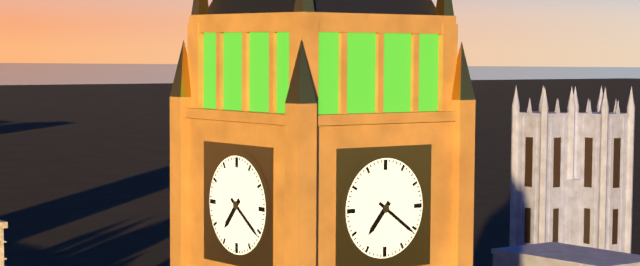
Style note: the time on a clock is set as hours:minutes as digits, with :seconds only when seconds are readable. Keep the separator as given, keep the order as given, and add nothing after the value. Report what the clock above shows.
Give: 7:21
